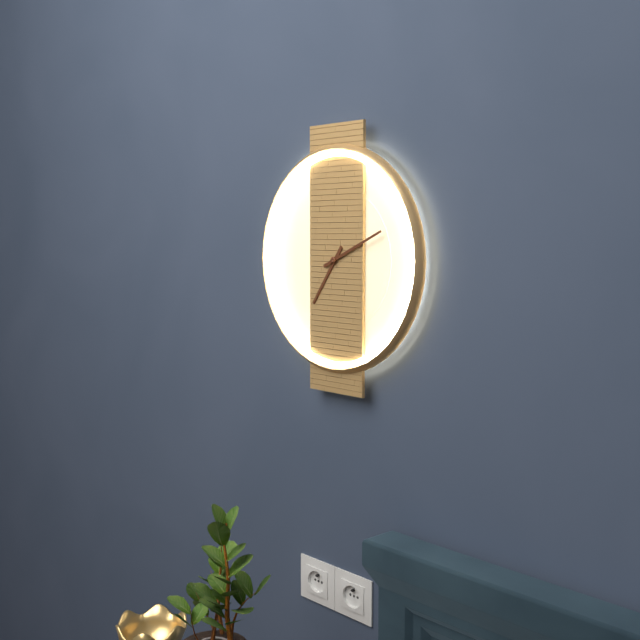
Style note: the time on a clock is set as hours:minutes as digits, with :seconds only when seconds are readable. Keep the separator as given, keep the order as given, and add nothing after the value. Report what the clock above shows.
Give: 7:11
